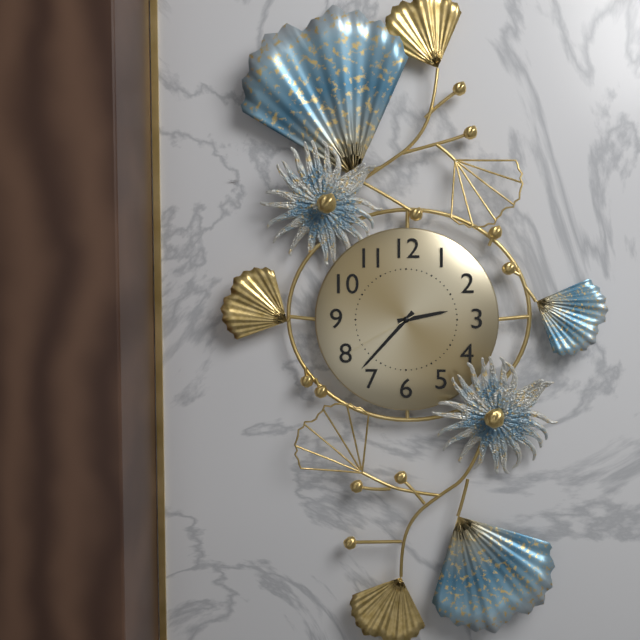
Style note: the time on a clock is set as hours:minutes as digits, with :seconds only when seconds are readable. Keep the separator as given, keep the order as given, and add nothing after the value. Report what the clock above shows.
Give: 2:37:40
